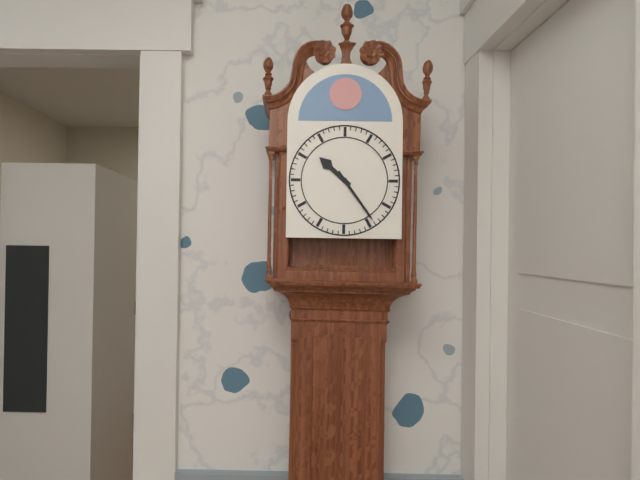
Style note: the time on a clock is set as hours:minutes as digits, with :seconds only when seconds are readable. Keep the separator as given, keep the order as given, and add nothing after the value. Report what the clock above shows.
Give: 10:24
